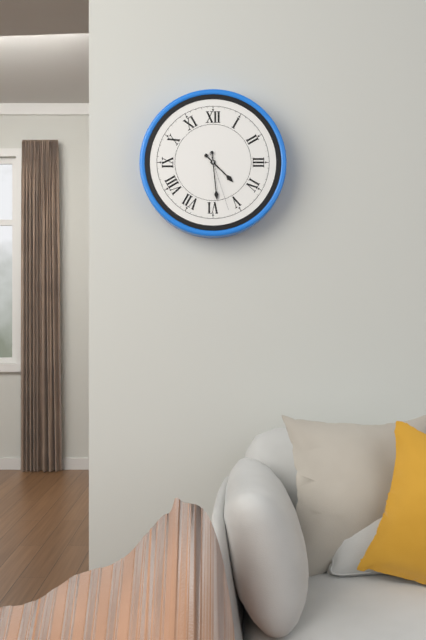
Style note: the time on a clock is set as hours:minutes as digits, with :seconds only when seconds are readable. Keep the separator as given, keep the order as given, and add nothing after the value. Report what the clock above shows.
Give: 4:29:27
